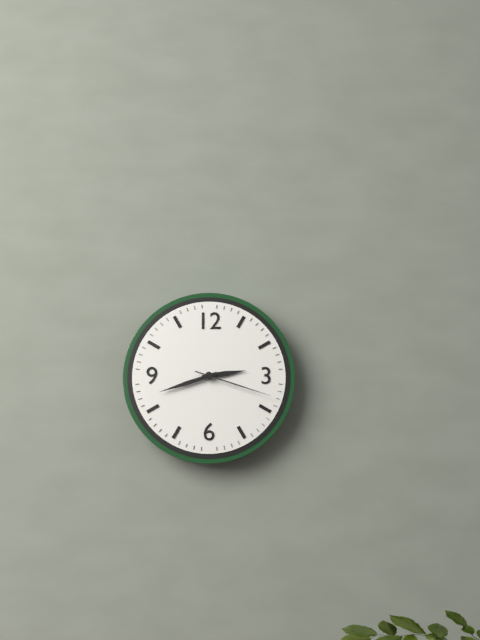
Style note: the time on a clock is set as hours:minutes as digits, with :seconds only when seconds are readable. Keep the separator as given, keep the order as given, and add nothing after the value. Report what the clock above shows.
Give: 2:42:18
